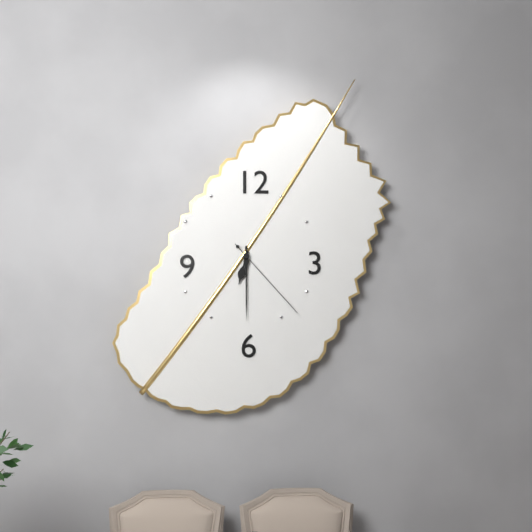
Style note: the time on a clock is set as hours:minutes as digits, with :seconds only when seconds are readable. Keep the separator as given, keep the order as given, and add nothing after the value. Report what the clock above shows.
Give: 6:30:23
